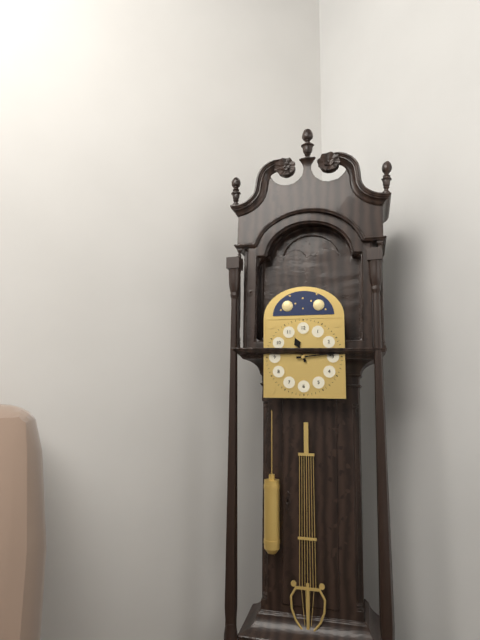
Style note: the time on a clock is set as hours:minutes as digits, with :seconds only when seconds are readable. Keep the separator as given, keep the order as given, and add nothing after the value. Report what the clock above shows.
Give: 11:14
